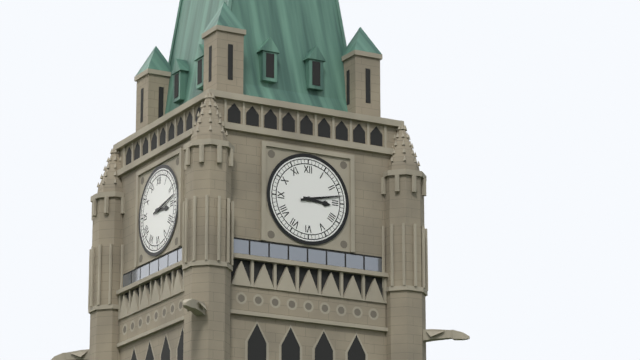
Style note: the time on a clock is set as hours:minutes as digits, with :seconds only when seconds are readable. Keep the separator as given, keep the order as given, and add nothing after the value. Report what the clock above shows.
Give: 3:13
